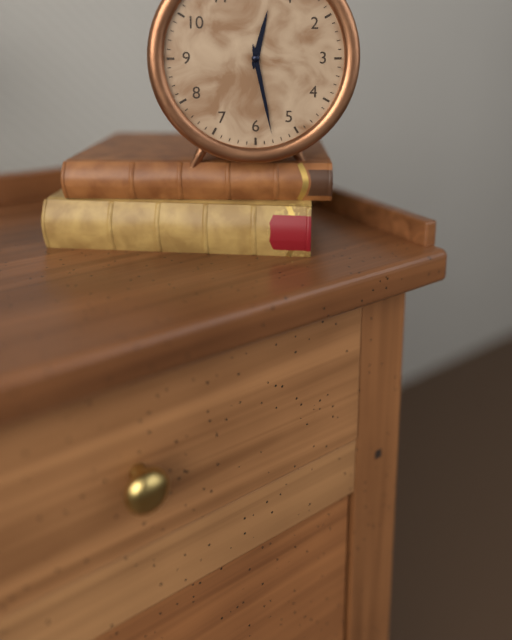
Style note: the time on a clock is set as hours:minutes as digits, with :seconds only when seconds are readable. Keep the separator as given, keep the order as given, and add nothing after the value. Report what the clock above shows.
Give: 12:28
